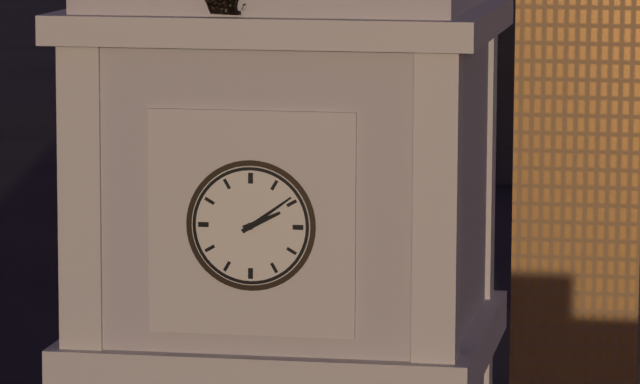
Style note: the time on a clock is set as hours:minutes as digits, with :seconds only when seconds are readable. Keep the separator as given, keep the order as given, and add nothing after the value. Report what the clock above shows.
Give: 2:09
